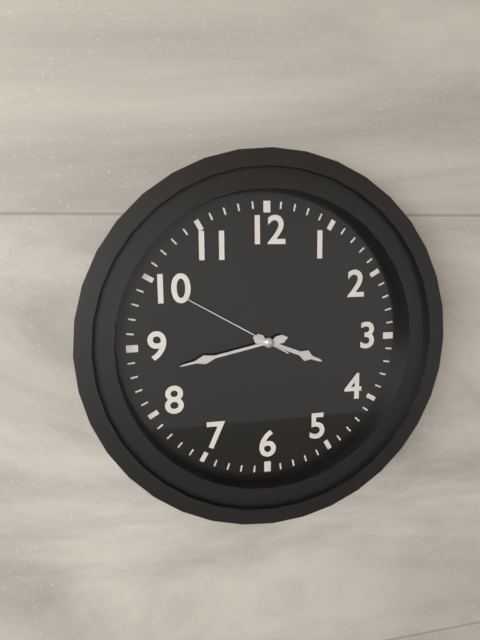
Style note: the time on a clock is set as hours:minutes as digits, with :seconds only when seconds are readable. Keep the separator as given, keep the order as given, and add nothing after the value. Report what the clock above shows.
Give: 3:43:50
